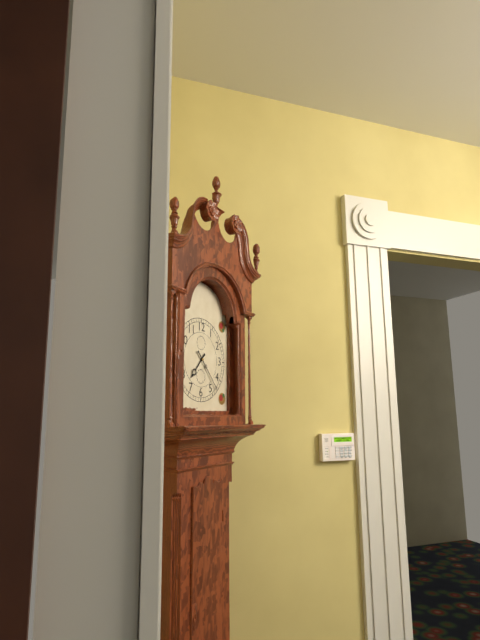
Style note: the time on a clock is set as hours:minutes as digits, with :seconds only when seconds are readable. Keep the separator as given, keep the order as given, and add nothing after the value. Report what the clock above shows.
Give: 7:23
